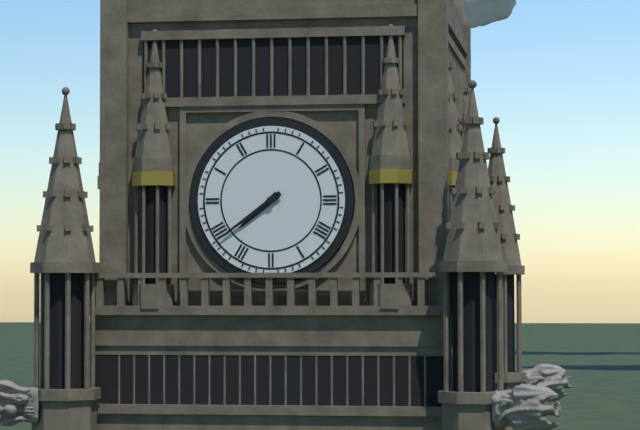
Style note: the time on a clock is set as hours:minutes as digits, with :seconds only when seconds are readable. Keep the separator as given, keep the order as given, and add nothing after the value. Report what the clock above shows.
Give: 7:39
